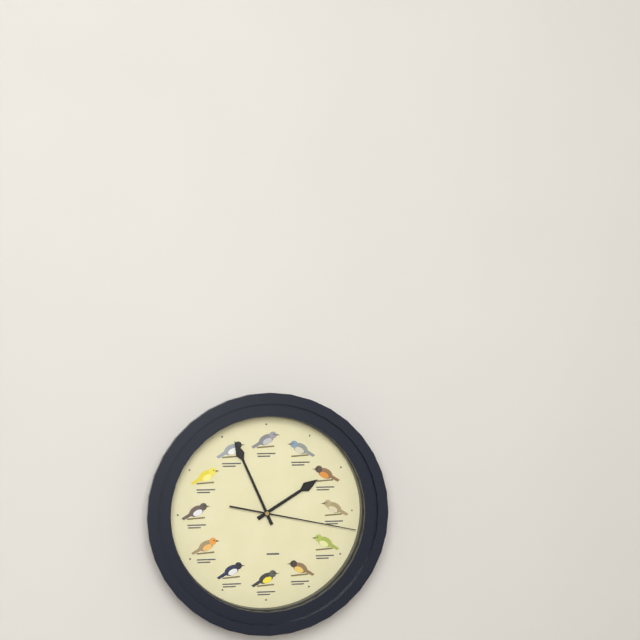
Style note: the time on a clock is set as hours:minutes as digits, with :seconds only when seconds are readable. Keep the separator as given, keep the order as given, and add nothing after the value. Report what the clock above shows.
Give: 1:56:17
